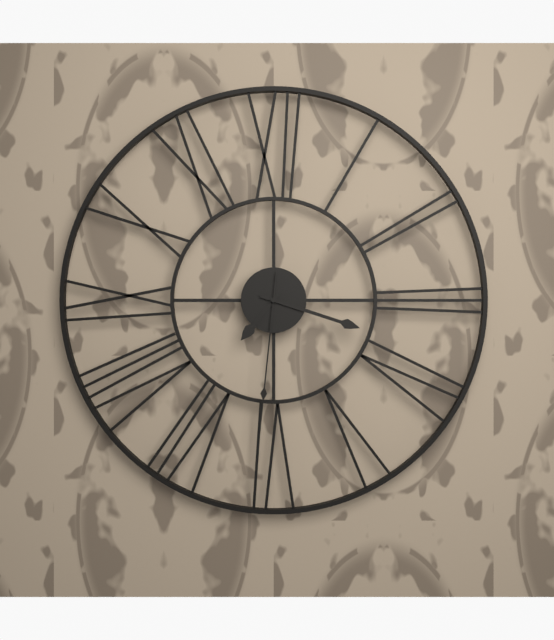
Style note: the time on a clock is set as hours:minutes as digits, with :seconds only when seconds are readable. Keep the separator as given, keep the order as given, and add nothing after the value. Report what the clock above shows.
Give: 7:18:31
